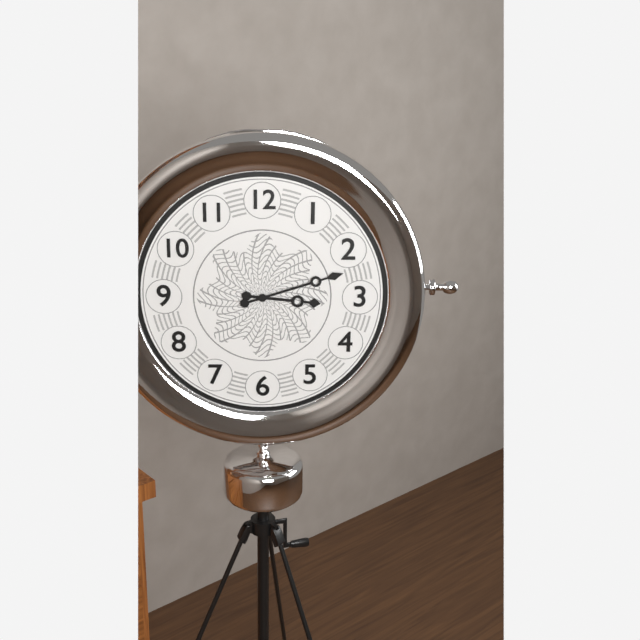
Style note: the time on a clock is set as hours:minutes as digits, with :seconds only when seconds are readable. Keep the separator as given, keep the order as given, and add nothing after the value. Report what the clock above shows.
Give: 3:12
